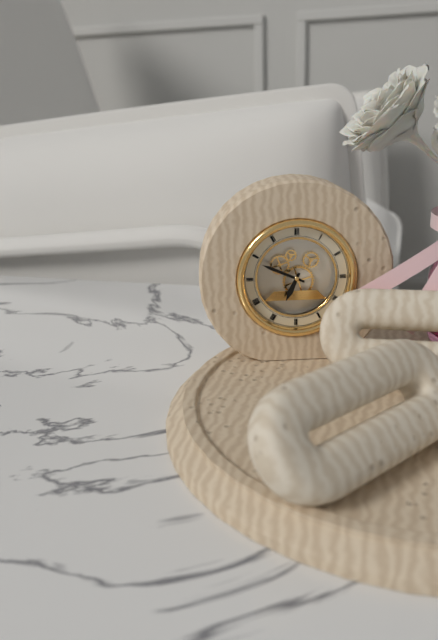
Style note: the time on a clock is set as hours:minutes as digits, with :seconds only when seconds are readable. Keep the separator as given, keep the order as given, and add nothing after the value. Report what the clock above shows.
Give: 6:49
